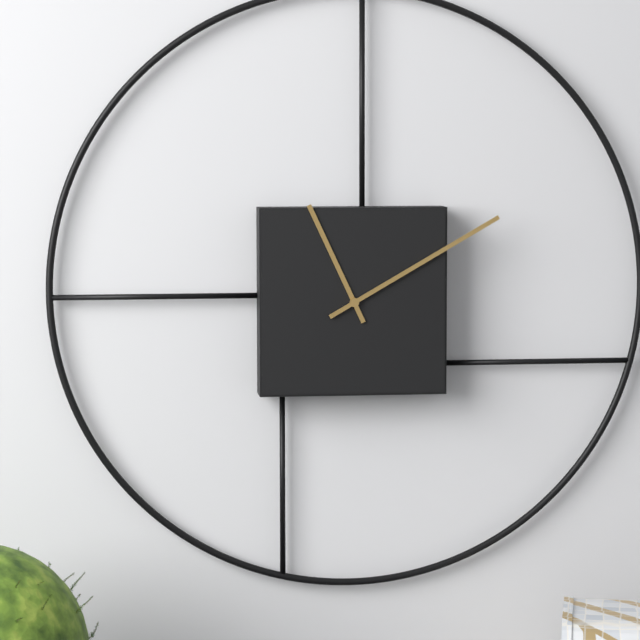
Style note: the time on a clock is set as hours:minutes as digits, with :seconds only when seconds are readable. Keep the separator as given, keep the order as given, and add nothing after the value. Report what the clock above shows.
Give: 11:10
